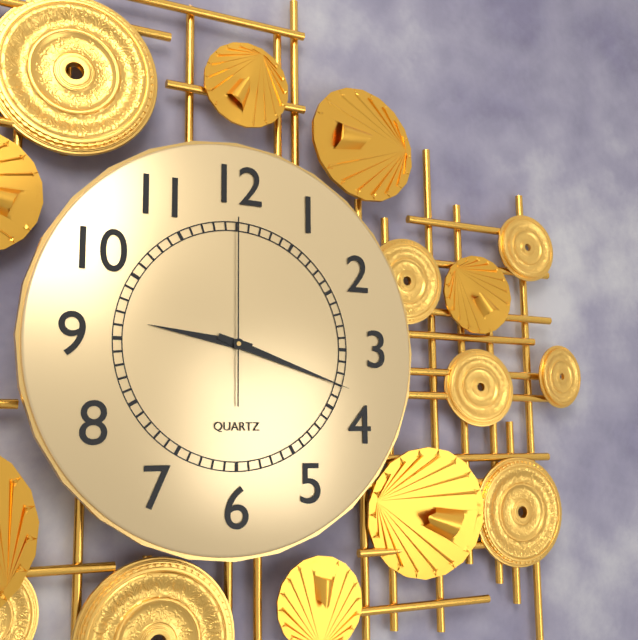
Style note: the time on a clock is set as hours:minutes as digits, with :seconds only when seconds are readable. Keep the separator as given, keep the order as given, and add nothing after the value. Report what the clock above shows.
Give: 9:18:00
